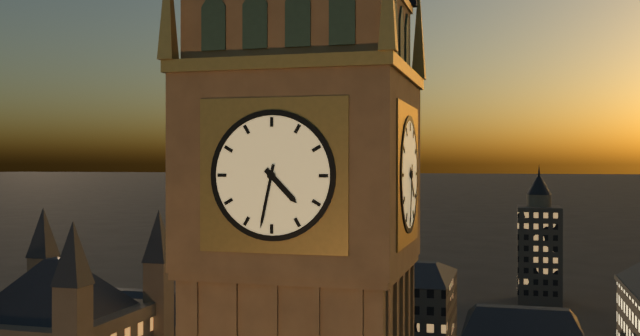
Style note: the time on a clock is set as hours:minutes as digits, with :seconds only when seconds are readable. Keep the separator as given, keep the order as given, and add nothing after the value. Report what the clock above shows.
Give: 4:32
